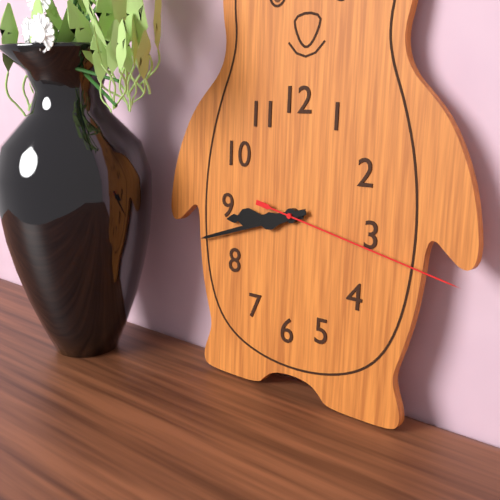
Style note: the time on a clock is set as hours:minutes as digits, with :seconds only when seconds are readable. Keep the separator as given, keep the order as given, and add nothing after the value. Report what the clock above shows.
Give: 8:42:17
